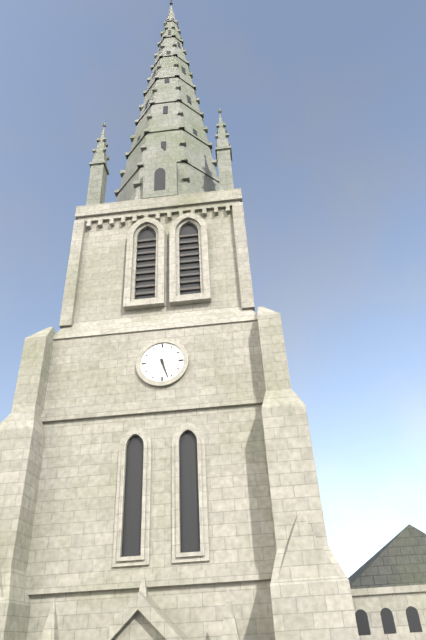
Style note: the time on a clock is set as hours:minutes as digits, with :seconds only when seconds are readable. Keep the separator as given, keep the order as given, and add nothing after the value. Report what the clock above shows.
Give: 5:27
